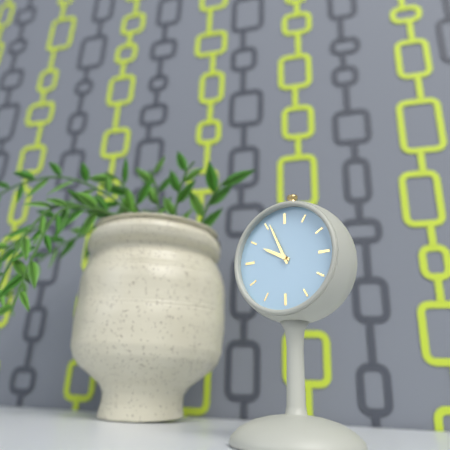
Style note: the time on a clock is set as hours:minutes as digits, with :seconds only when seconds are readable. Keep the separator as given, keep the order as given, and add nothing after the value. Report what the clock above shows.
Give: 9:56
